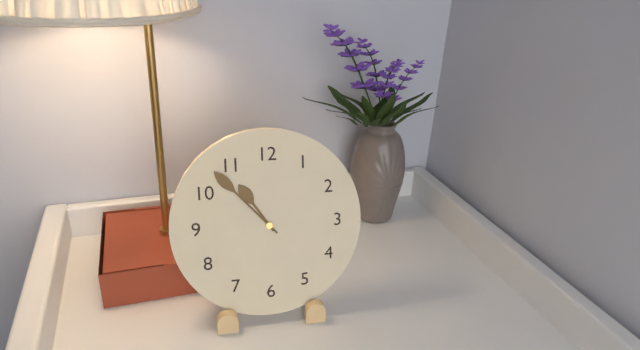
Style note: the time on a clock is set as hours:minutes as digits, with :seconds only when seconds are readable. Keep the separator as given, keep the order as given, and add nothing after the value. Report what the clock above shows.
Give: 10:53
